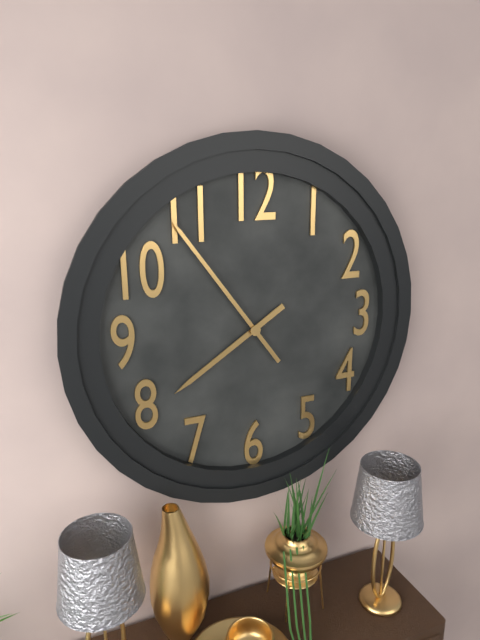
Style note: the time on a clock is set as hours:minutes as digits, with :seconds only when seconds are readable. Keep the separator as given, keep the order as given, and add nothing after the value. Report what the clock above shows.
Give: 7:54
